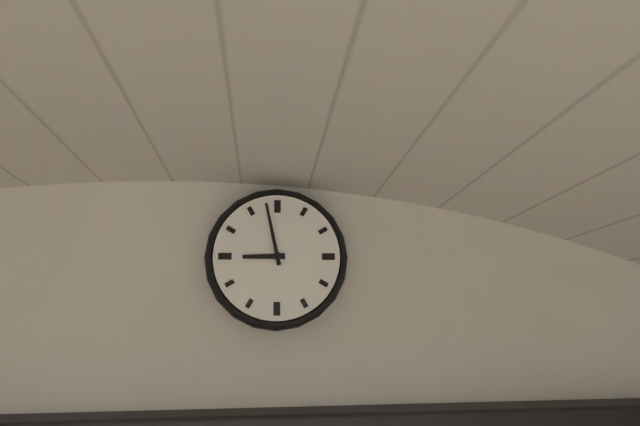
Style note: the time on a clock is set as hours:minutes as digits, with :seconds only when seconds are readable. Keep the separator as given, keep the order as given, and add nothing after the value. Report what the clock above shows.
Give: 8:58
